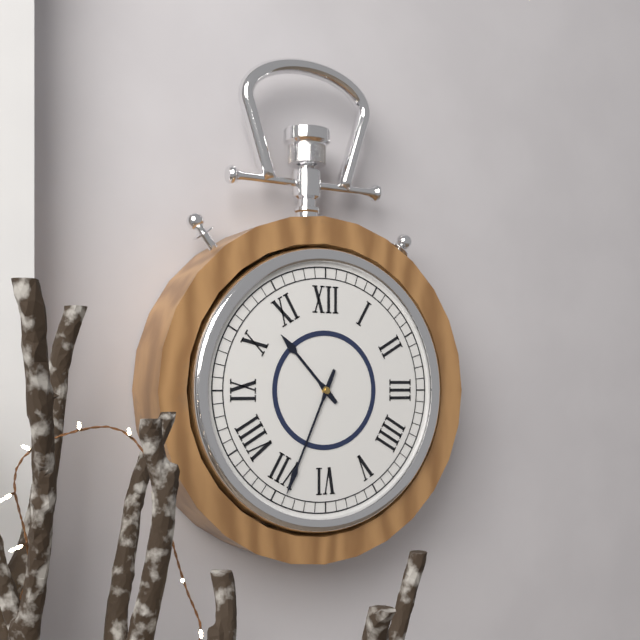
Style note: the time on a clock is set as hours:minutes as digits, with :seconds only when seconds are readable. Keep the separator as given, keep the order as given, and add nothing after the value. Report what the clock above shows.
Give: 10:34
